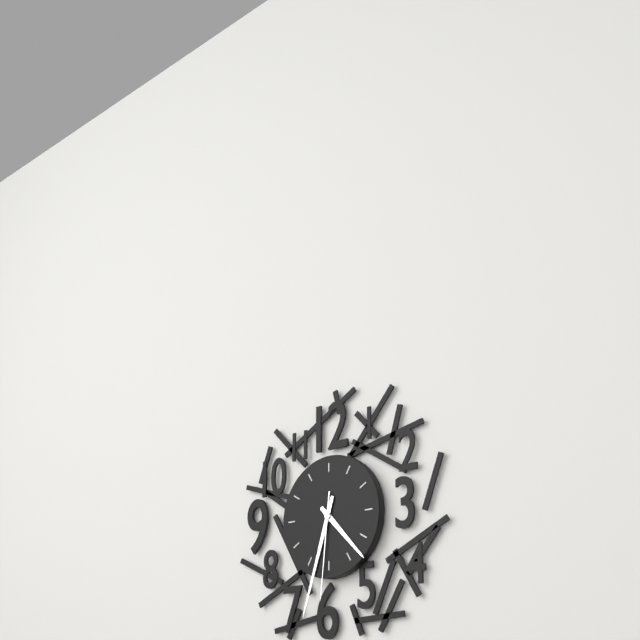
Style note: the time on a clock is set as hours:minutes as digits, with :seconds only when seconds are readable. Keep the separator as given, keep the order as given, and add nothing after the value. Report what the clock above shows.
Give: 4:33:31
